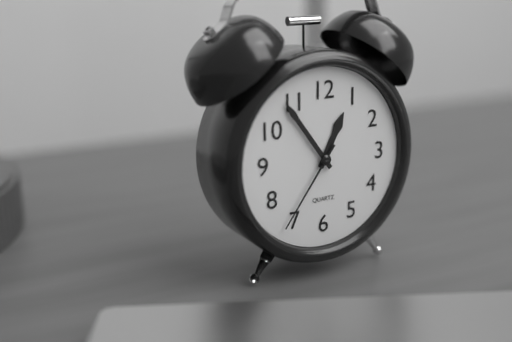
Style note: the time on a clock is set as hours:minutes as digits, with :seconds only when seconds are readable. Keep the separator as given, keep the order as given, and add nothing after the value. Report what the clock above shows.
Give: 12:54:36
